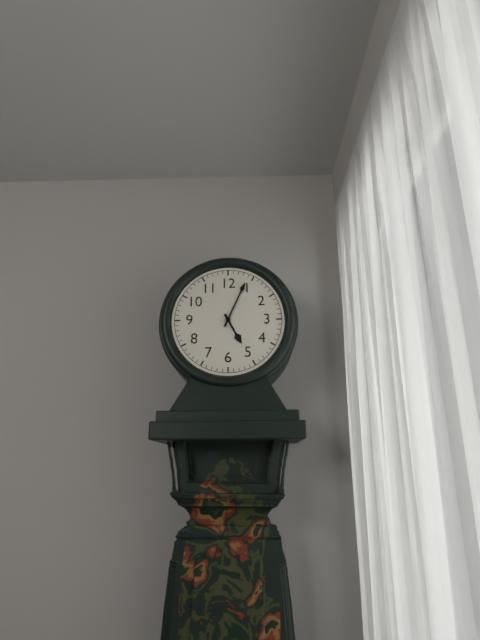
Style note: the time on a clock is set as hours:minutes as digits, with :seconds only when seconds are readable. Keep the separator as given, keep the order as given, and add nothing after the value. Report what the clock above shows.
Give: 5:04
